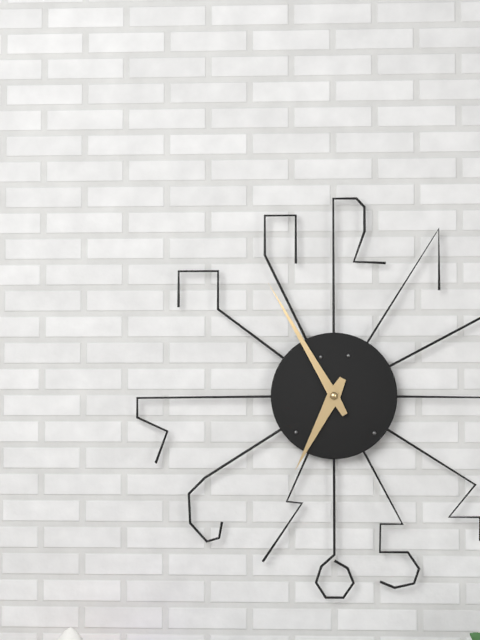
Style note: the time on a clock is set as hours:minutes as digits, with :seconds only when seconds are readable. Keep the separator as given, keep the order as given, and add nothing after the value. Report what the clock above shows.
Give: 6:55
